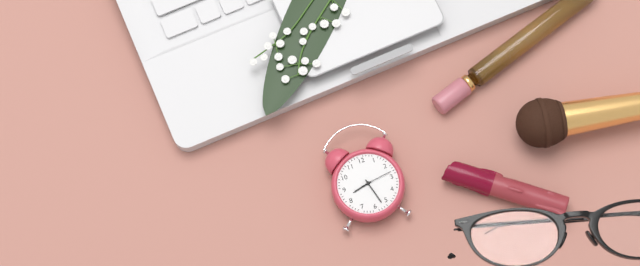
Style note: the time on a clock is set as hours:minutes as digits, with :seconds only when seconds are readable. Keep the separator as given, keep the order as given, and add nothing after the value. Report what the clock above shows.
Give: 8:27
